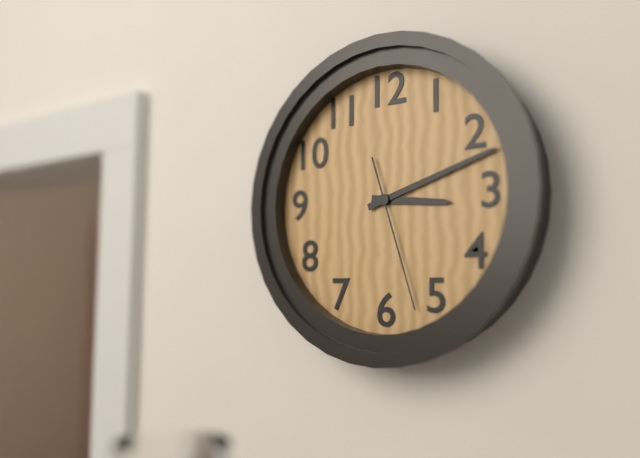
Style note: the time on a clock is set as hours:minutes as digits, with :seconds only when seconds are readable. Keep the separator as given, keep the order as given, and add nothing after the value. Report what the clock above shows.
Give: 3:12:27
